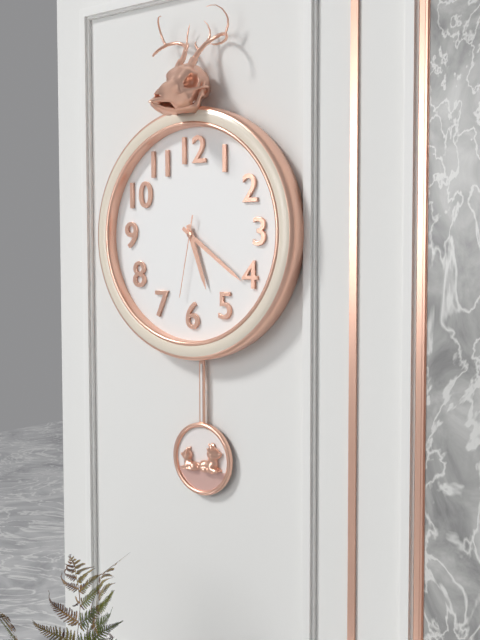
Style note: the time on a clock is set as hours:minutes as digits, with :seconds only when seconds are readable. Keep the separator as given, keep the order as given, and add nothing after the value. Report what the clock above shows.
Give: 5:21:32
